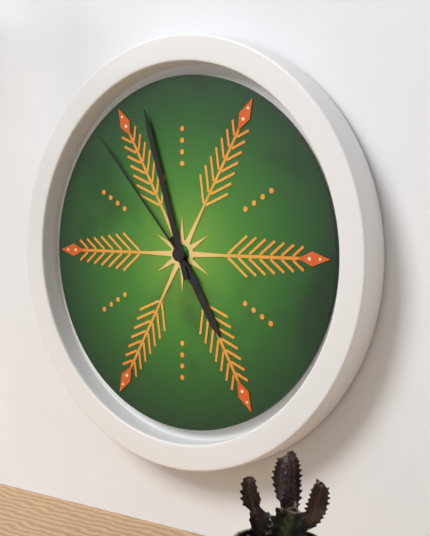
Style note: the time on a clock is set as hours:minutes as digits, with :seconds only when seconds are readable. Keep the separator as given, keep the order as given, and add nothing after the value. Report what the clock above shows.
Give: 4:57:53
